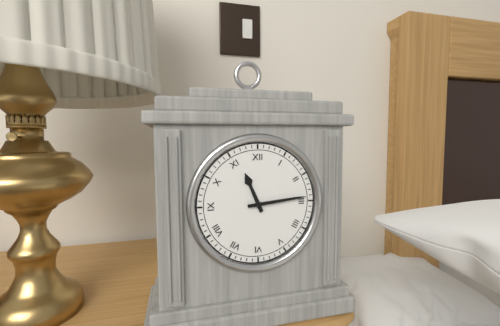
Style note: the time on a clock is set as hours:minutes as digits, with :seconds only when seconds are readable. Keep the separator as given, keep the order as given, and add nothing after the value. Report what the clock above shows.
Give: 11:14
